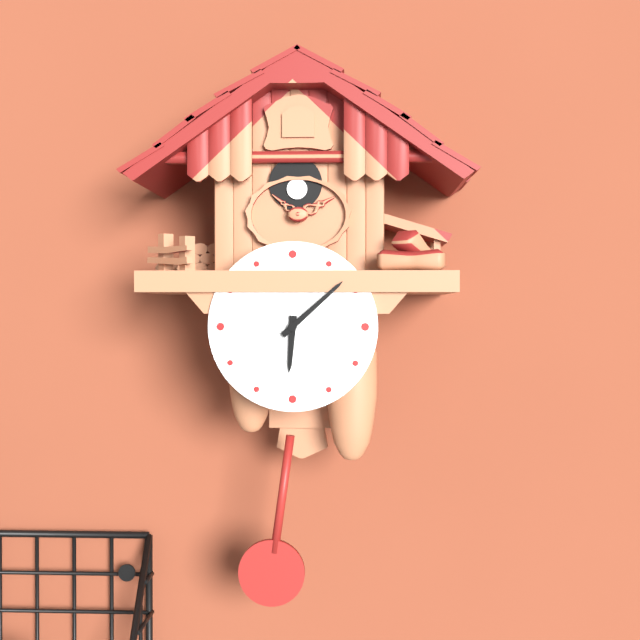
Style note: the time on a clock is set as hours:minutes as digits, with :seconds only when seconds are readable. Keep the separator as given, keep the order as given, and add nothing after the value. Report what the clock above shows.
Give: 6:08
